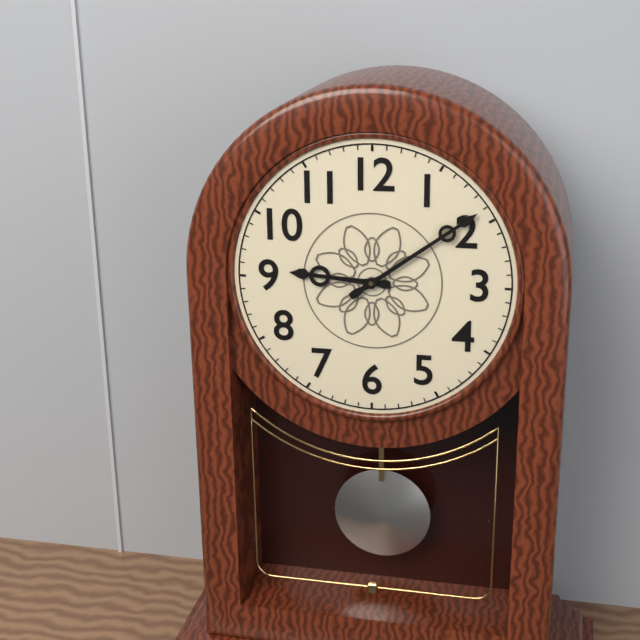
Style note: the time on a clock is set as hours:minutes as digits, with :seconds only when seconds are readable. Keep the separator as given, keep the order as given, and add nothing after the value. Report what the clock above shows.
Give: 9:09
